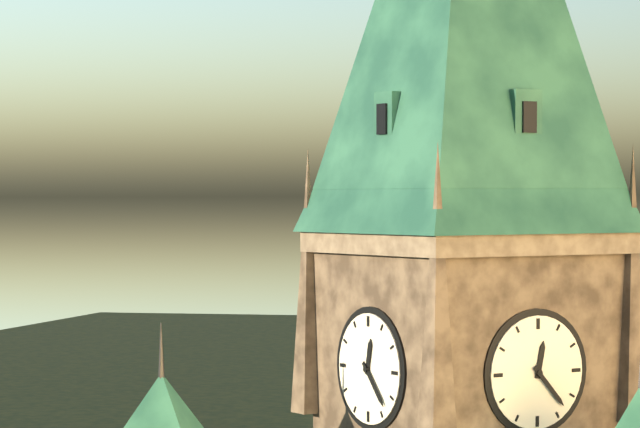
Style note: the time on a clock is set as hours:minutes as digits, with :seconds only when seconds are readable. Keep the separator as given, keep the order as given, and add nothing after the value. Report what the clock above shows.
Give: 12:23
